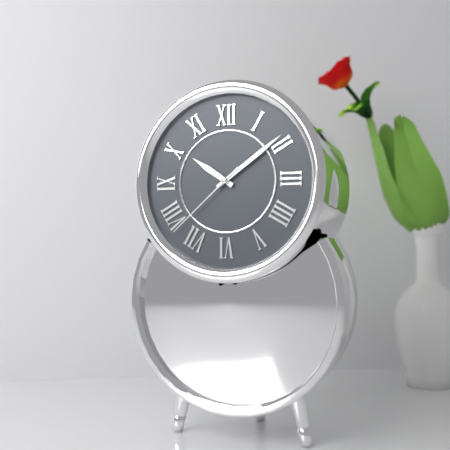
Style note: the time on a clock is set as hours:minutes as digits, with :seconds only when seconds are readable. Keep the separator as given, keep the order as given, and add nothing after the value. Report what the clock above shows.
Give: 10:09:38
